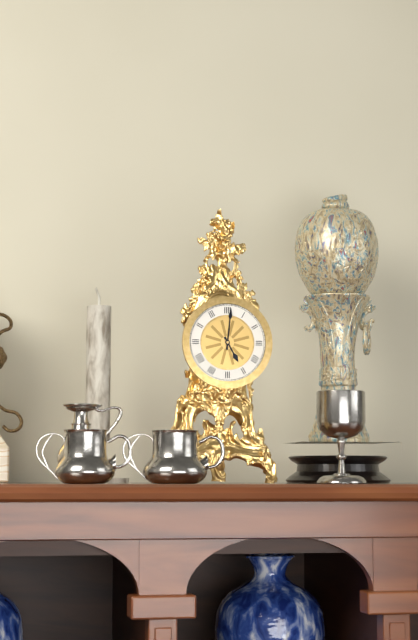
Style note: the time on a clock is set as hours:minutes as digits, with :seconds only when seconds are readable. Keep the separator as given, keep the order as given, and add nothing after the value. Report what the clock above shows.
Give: 5:01
